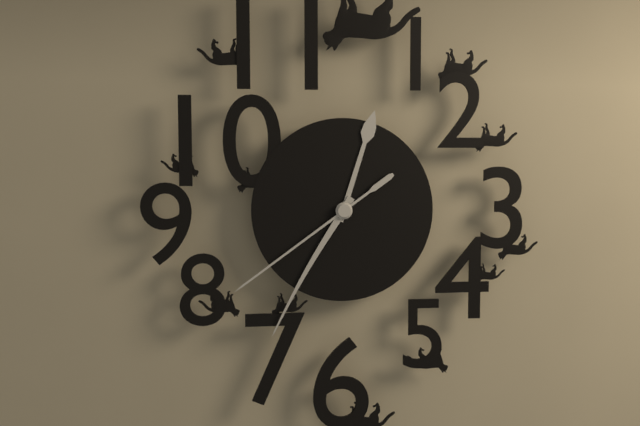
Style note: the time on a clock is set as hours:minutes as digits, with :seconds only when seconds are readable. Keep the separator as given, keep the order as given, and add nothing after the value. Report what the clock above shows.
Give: 12:35:39
